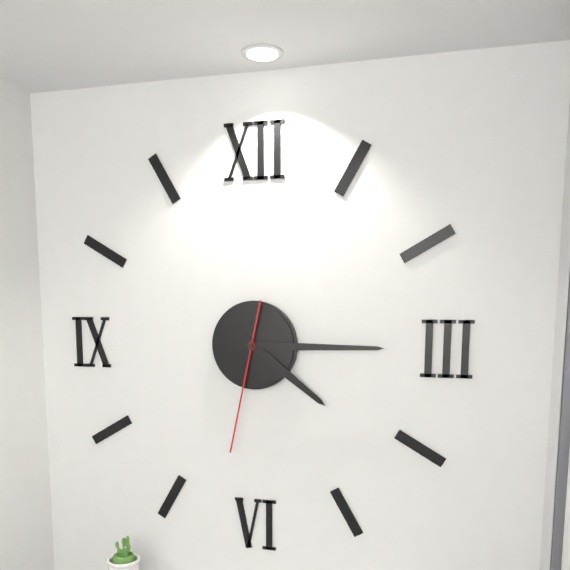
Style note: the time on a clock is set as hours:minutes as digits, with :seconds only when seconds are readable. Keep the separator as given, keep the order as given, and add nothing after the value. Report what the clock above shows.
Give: 4:15:32
